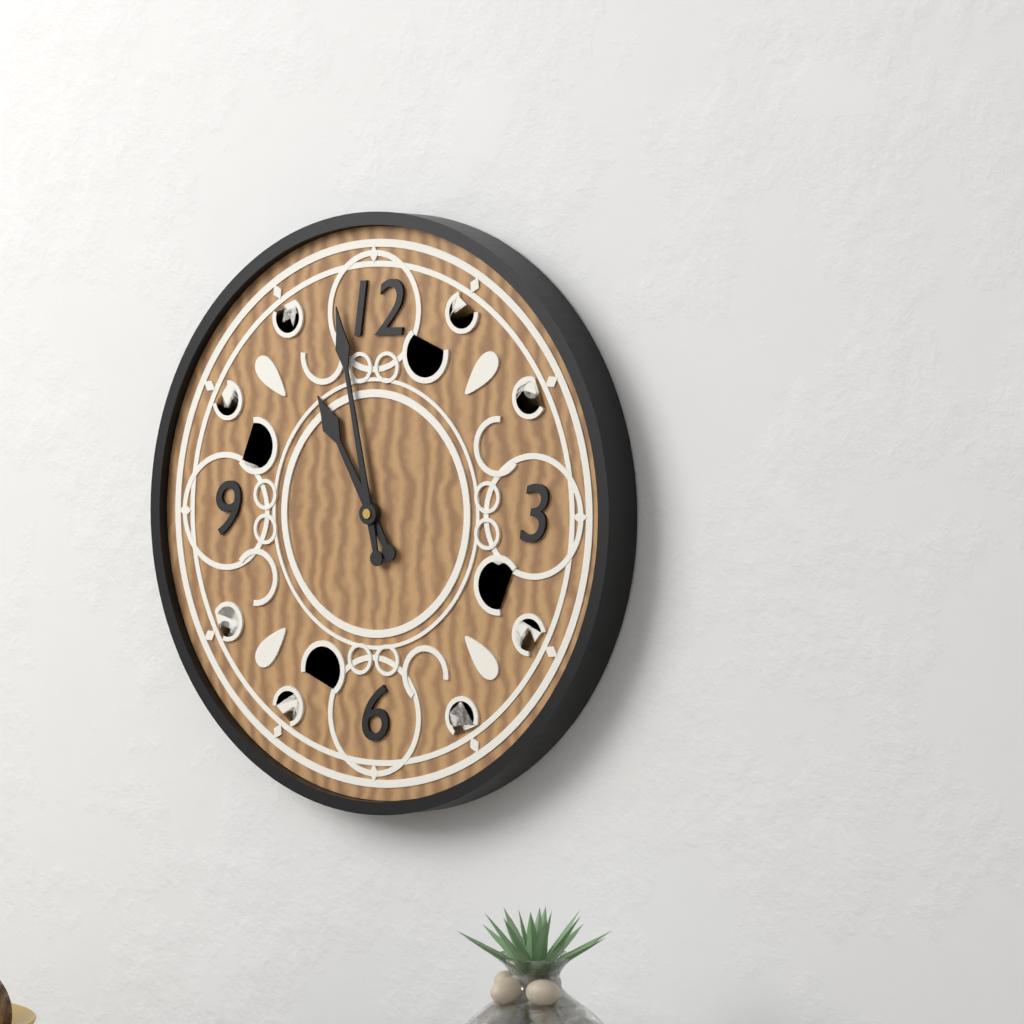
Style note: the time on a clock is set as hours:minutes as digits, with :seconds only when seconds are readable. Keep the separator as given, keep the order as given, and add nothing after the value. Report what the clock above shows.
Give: 10:58
